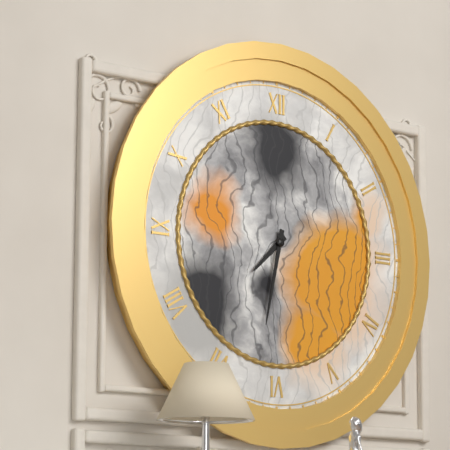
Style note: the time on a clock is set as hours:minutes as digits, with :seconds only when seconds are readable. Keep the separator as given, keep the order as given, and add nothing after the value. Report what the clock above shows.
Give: 7:32
